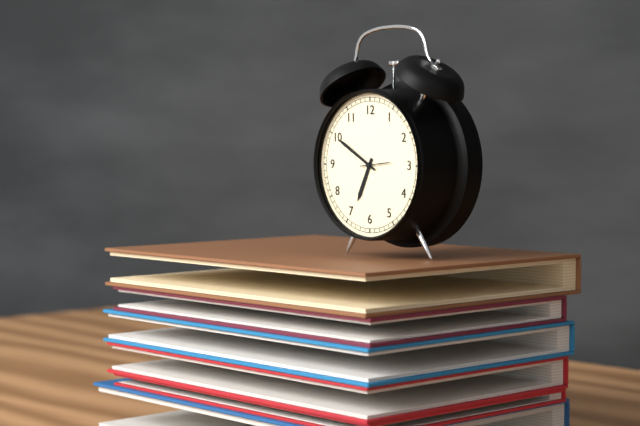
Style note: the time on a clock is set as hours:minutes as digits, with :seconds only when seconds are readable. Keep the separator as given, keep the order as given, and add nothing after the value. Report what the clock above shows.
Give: 6:50
